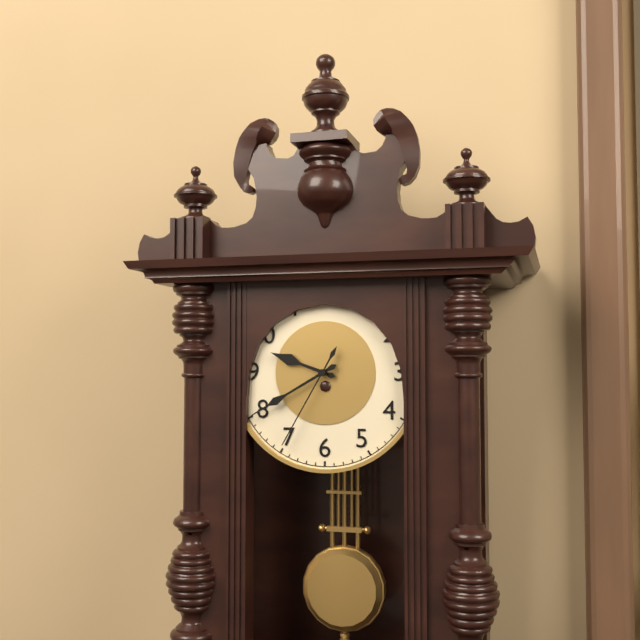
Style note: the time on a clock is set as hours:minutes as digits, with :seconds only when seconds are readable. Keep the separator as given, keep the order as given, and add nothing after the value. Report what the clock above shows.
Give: 9:40:35
